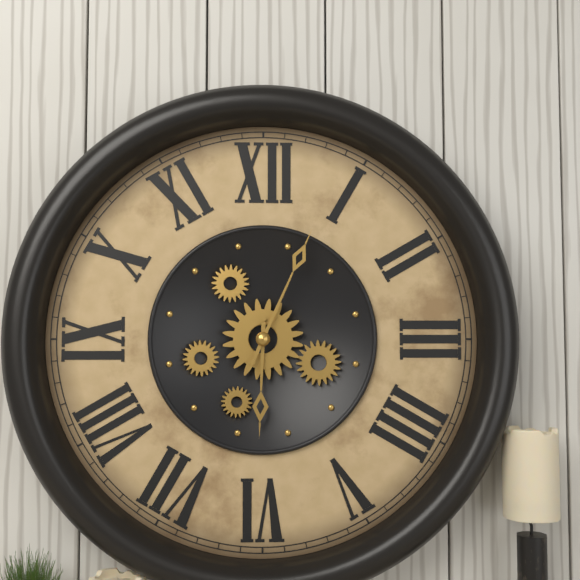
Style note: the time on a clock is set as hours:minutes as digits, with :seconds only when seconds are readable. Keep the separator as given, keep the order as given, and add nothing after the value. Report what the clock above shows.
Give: 6:04
